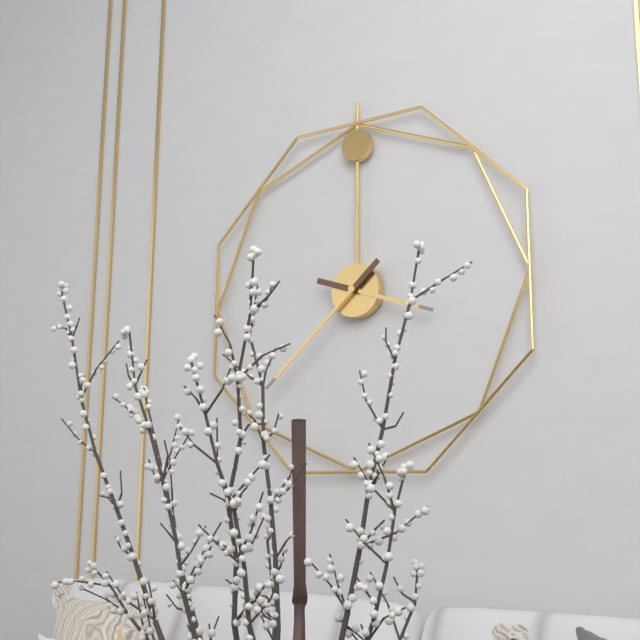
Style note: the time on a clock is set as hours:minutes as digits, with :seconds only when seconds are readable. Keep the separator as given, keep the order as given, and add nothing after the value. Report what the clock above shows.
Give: 3:38
